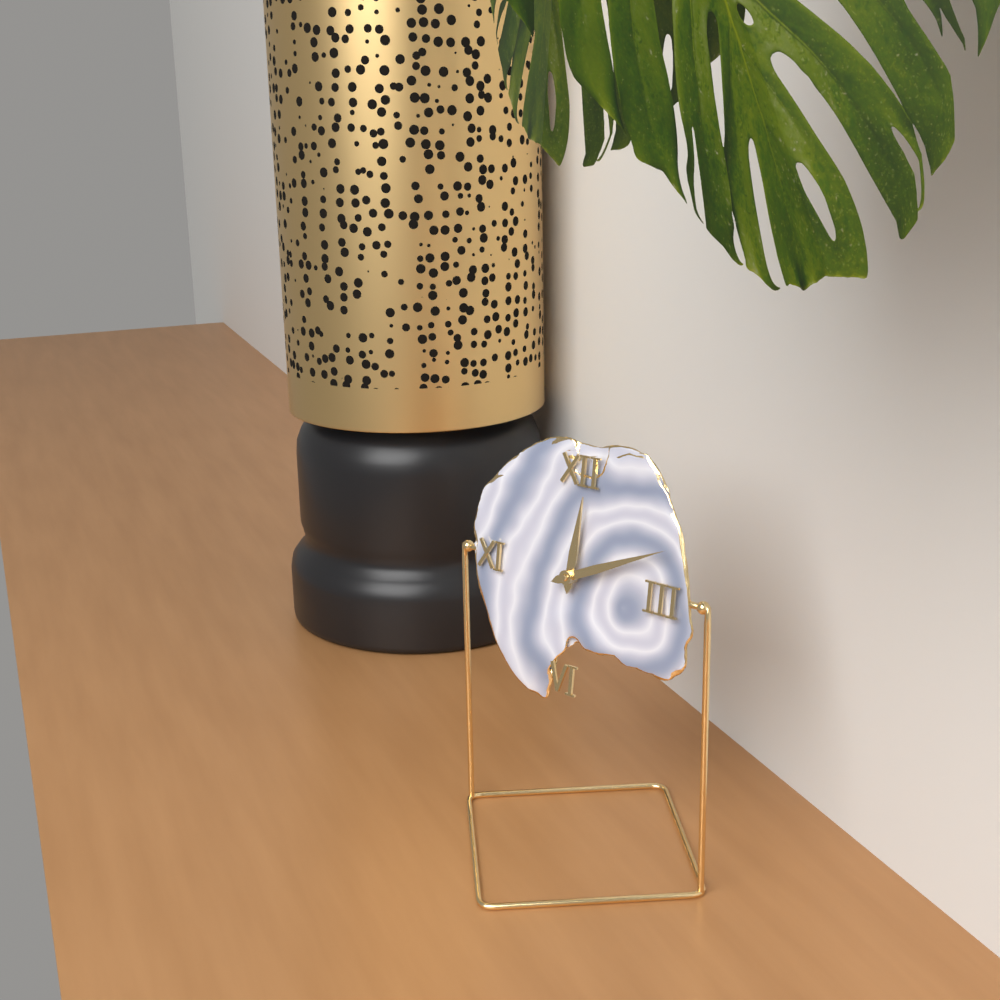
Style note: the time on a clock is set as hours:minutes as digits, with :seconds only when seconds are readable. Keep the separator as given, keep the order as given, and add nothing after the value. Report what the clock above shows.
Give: 12:11
